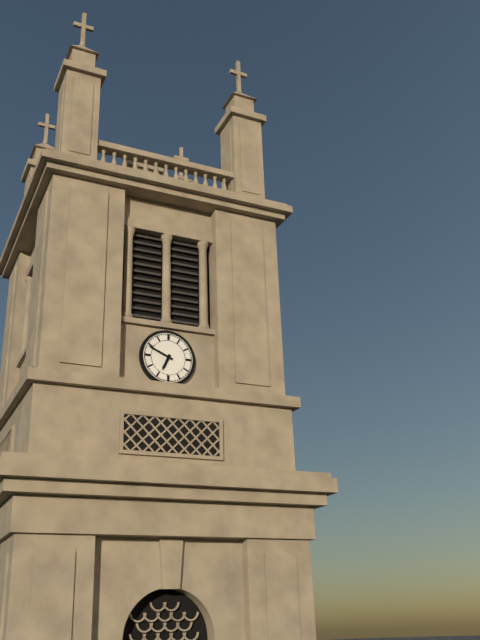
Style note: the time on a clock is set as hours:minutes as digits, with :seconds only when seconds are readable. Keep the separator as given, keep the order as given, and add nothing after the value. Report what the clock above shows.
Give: 6:49
